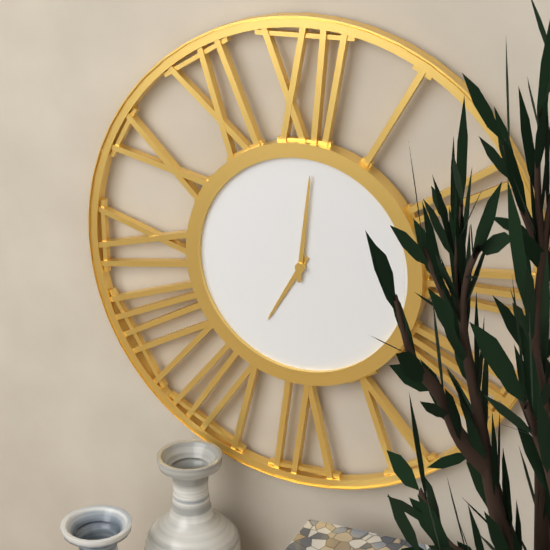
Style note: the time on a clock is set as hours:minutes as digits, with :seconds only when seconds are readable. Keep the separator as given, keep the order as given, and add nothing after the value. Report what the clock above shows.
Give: 7:01
